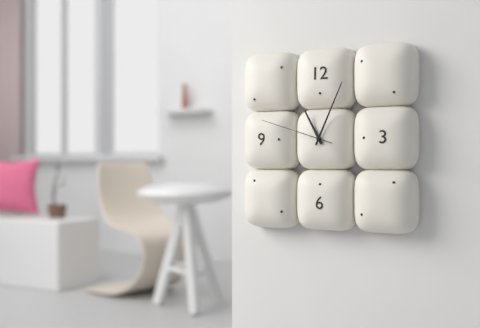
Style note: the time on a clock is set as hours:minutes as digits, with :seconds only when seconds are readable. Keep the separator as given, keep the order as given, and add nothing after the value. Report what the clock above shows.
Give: 11:04:48
